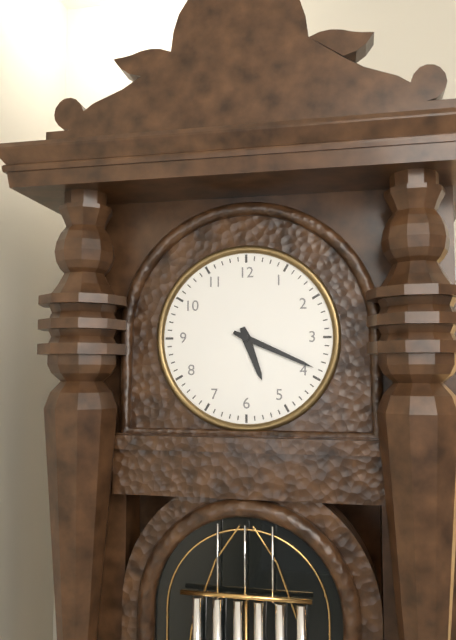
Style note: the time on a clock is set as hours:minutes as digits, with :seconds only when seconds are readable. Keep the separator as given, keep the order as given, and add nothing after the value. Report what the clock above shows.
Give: 5:19
